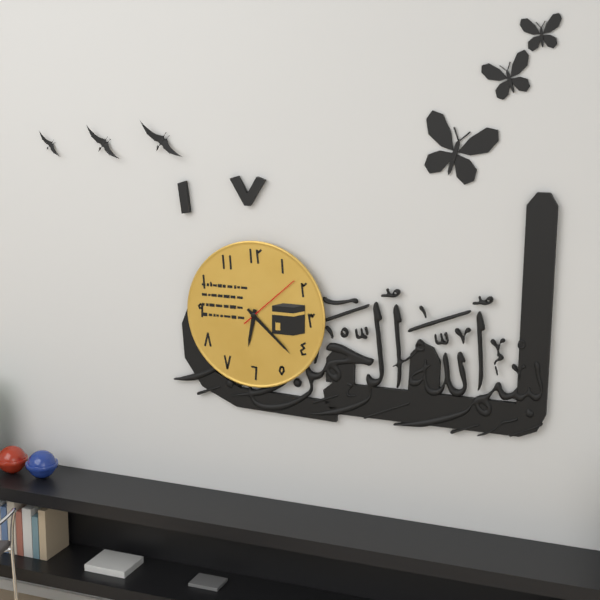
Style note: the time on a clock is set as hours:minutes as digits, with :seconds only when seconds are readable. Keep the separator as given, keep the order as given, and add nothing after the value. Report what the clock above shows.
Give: 6:22:08
